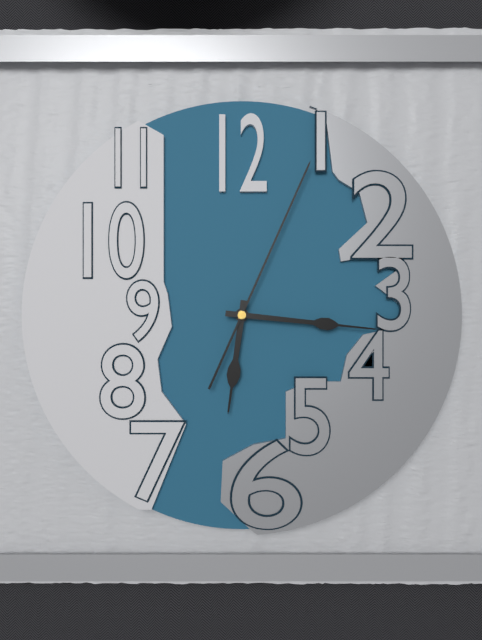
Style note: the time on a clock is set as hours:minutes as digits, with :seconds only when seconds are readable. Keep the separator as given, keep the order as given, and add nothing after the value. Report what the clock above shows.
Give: 6:16:04
